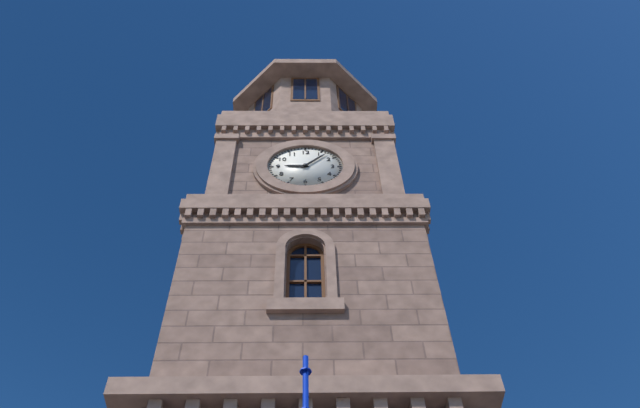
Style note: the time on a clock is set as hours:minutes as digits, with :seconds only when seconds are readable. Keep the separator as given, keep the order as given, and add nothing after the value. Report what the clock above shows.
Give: 9:07
